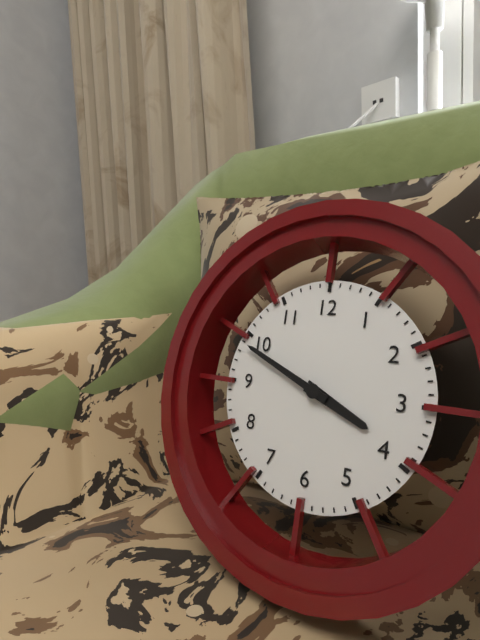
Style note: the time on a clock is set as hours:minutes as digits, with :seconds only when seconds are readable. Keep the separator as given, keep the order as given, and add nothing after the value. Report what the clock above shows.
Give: 3:49
